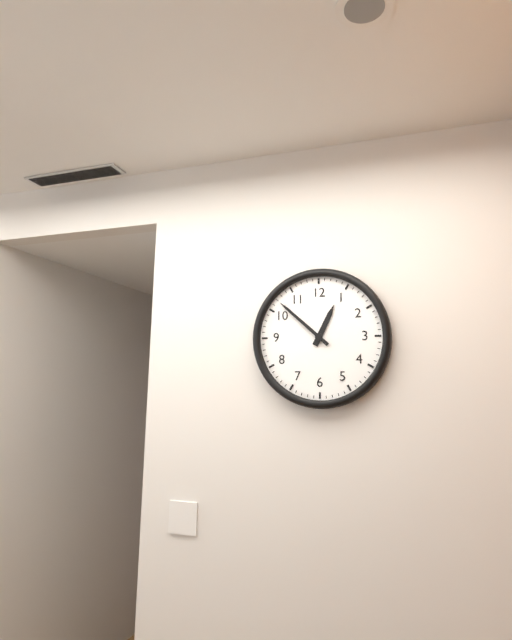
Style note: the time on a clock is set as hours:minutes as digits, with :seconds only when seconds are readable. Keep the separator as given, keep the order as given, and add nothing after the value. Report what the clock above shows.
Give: 12:52
